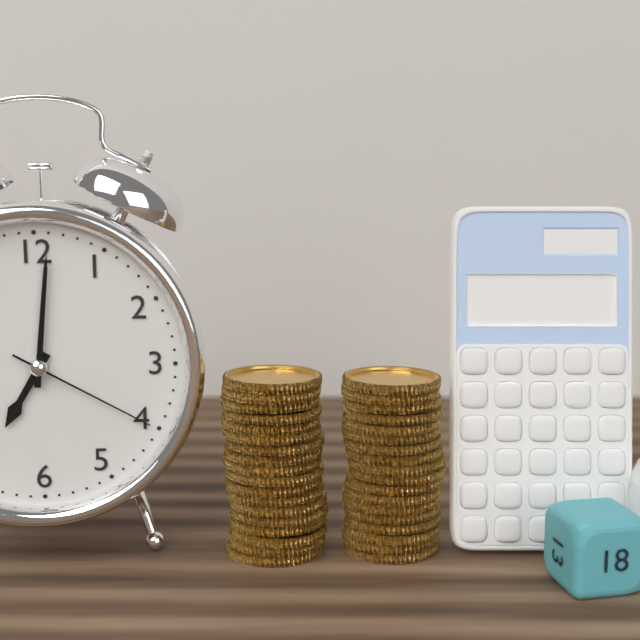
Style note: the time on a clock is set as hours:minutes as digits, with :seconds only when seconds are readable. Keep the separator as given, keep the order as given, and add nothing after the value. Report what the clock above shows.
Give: 7:01:20
